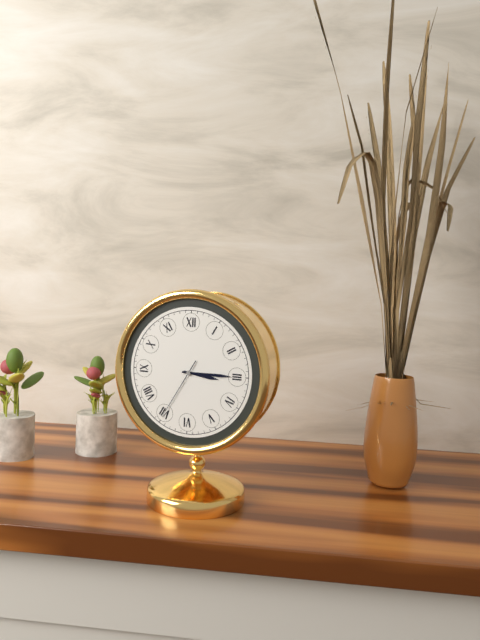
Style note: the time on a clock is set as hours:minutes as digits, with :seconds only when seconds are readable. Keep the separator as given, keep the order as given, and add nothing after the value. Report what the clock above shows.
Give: 3:15:35
